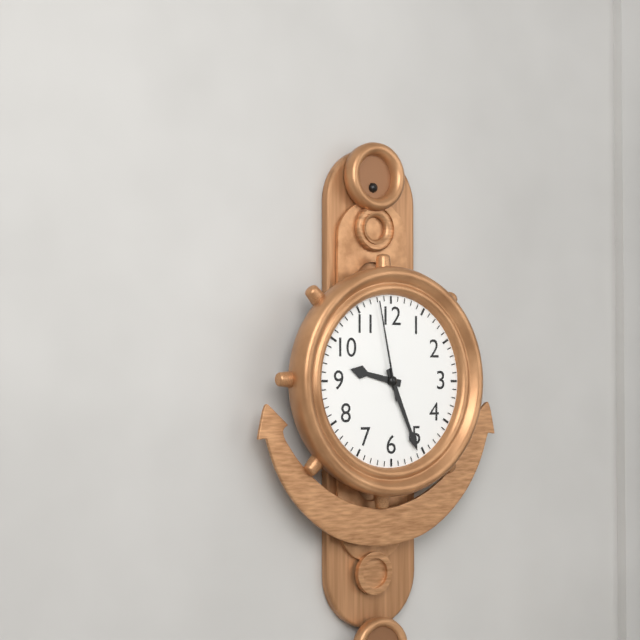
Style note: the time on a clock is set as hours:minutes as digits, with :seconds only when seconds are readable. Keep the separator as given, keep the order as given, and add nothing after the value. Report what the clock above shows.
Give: 9:26:58
